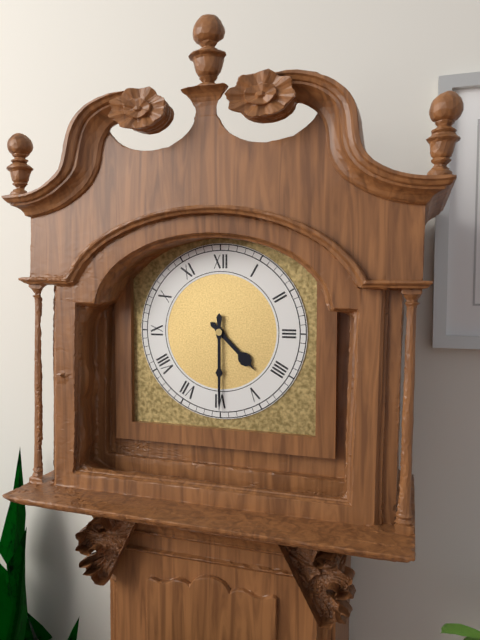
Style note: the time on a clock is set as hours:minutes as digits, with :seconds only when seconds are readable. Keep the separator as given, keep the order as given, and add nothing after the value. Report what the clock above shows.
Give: 4:30
